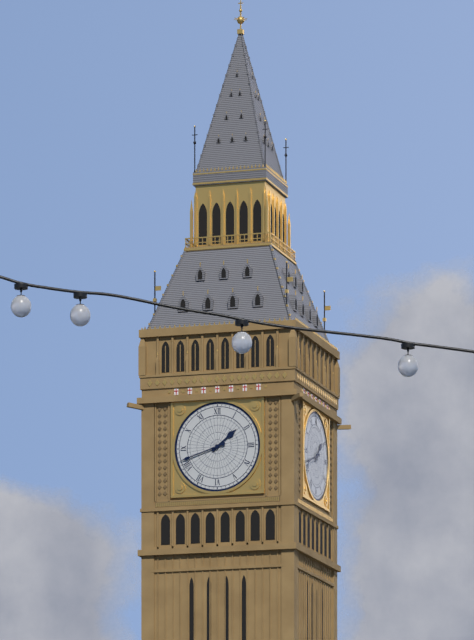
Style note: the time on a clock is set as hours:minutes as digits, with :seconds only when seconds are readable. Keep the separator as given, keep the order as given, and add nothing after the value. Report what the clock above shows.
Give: 1:42
